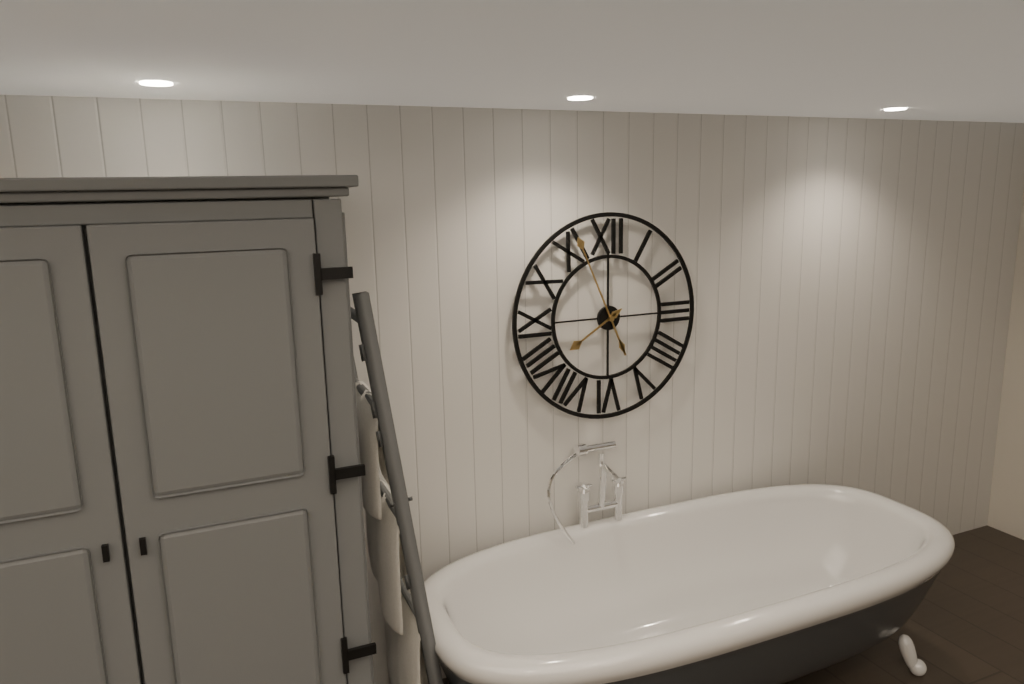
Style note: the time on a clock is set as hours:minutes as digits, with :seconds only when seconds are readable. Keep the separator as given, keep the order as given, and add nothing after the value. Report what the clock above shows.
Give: 7:56
